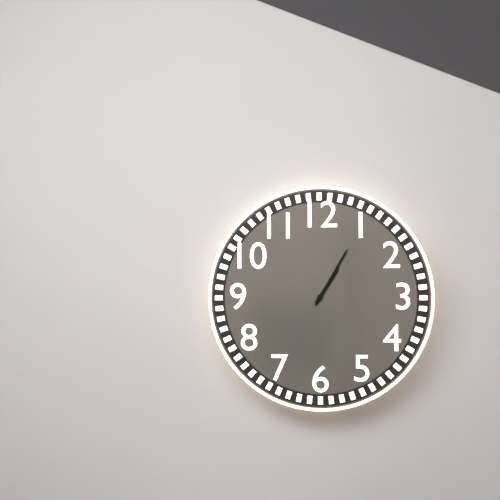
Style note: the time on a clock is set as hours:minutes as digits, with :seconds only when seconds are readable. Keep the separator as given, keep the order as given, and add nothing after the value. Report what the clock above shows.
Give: 1:05
